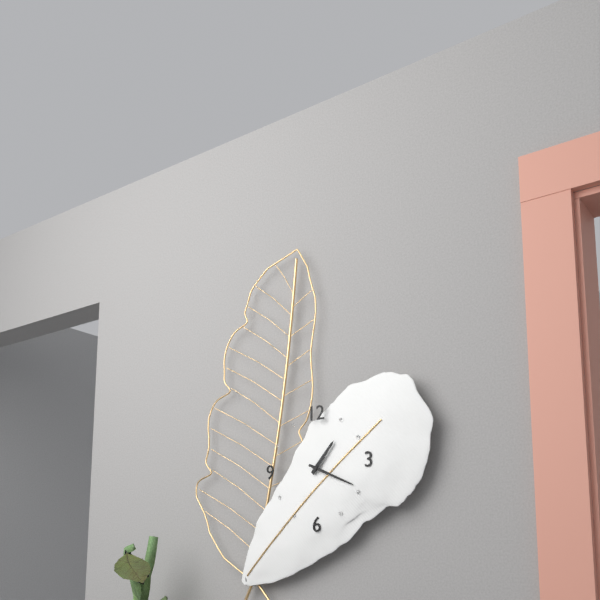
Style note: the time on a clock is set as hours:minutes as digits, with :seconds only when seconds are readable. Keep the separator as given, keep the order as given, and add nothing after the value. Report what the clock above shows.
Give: 1:19
